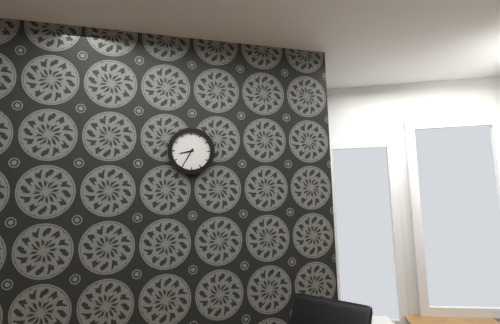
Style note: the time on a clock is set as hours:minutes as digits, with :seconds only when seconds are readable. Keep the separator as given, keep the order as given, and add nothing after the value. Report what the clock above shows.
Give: 8:35
